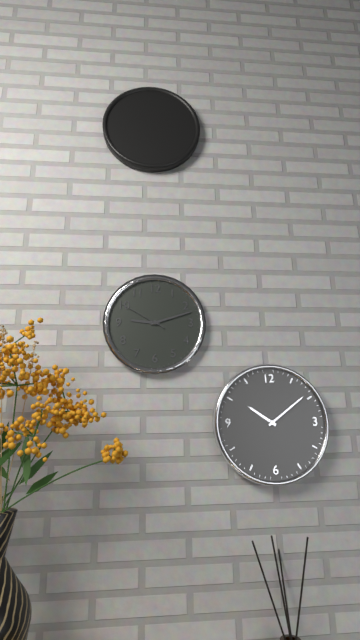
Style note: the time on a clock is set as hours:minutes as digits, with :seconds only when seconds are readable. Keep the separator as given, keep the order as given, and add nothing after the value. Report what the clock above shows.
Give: 9:12:50
